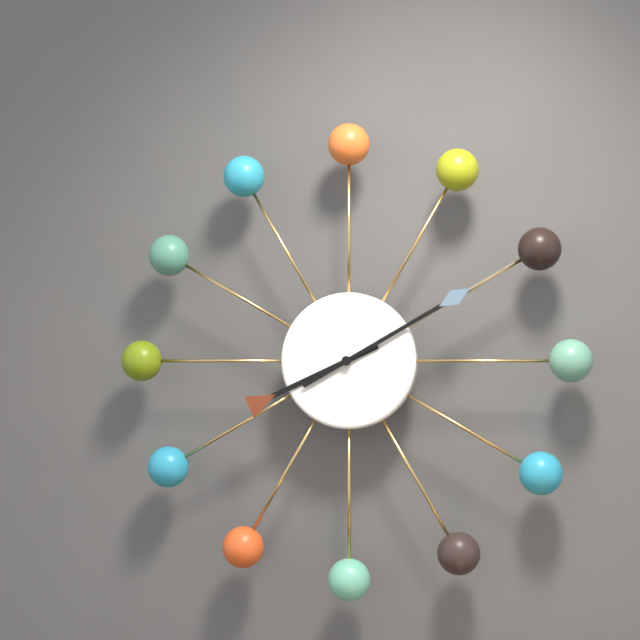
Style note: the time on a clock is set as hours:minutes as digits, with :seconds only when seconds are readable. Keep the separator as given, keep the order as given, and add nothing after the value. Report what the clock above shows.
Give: 8:10
